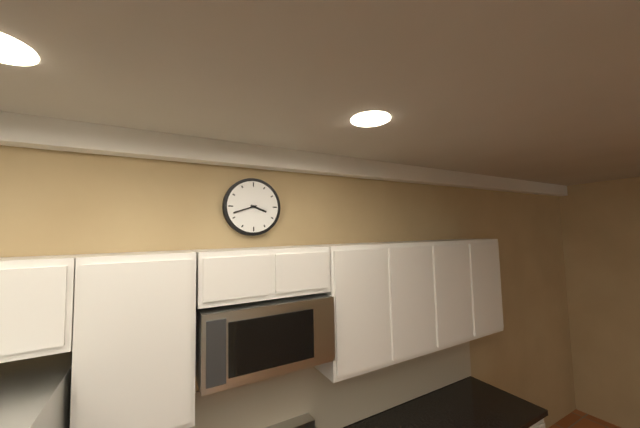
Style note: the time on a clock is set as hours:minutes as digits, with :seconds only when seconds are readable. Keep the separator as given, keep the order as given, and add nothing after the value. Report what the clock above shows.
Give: 3:42
